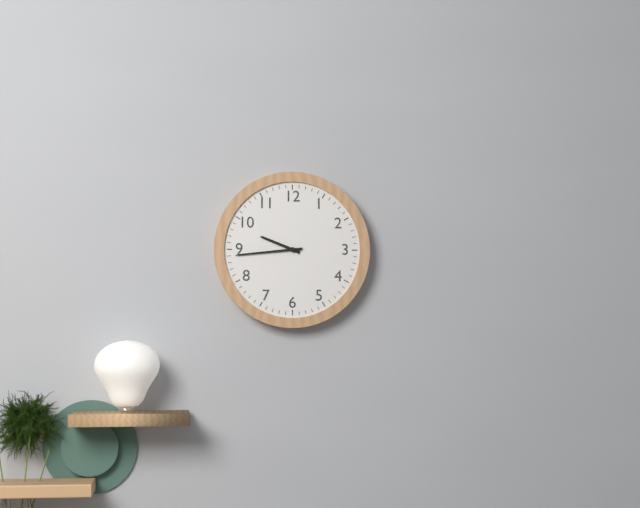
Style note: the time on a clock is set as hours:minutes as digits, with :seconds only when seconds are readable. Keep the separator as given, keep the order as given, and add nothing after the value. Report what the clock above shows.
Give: 9:44
